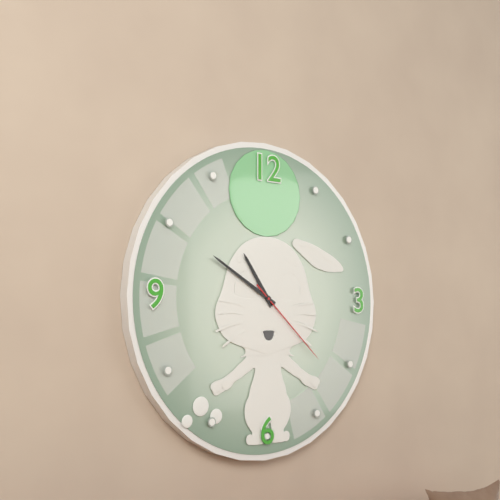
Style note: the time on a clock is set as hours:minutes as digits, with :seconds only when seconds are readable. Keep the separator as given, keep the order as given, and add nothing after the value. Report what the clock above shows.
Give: 10:50:22
